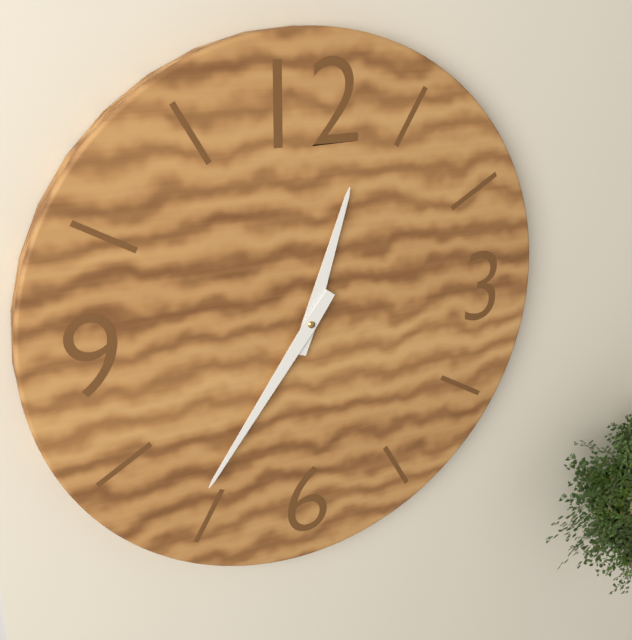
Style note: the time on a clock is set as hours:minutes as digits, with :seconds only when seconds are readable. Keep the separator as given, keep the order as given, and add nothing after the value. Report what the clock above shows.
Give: 12:36
